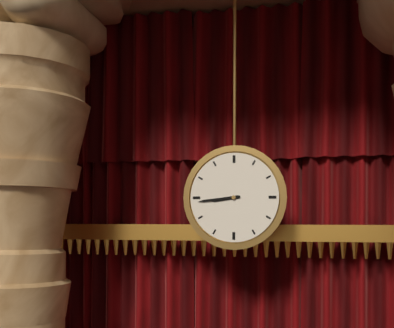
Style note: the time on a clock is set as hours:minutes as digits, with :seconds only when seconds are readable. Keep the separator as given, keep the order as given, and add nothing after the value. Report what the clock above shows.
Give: 8:44
